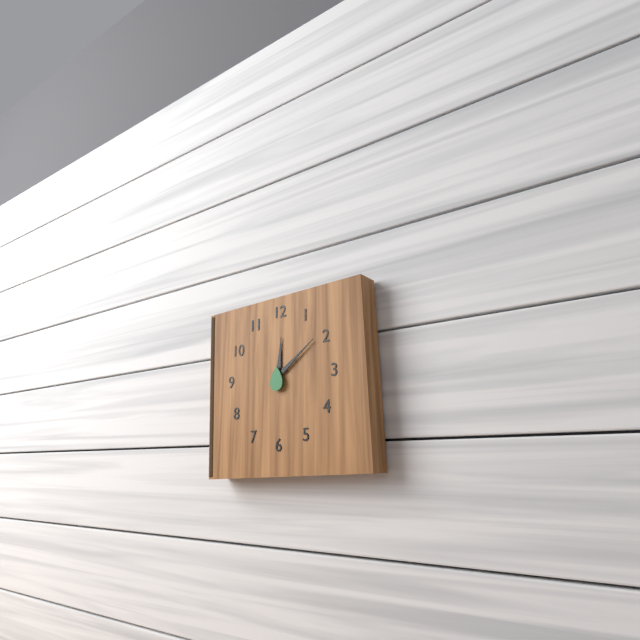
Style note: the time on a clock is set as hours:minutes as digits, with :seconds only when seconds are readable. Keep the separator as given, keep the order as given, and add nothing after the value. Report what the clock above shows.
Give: 12:09
